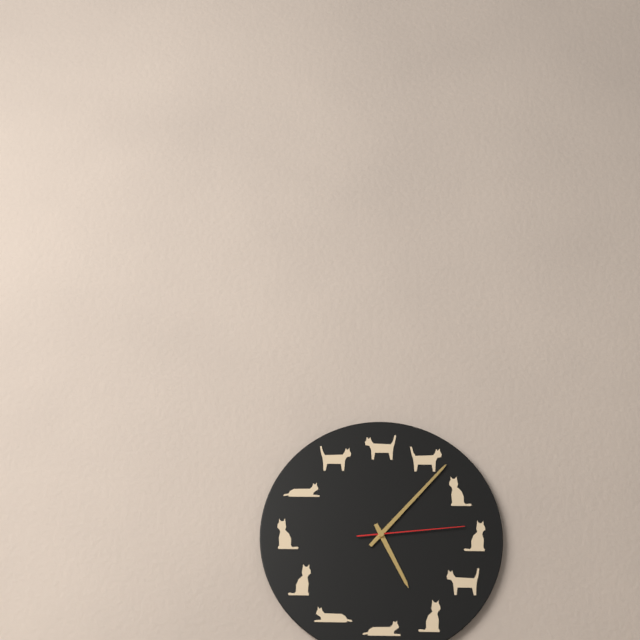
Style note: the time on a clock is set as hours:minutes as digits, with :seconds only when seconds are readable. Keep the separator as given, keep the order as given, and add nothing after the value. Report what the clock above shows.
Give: 5:07:14
